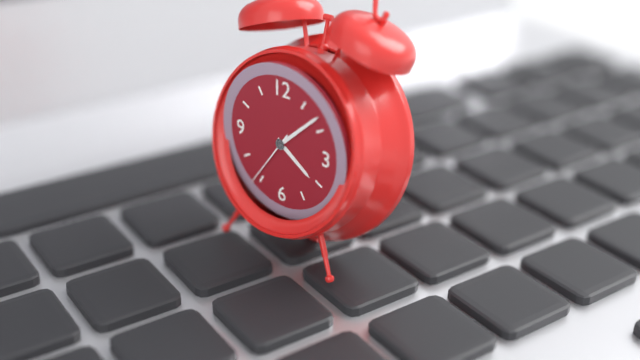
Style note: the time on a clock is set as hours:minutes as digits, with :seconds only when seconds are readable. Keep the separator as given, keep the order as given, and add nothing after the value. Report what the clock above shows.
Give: 4:08:36
